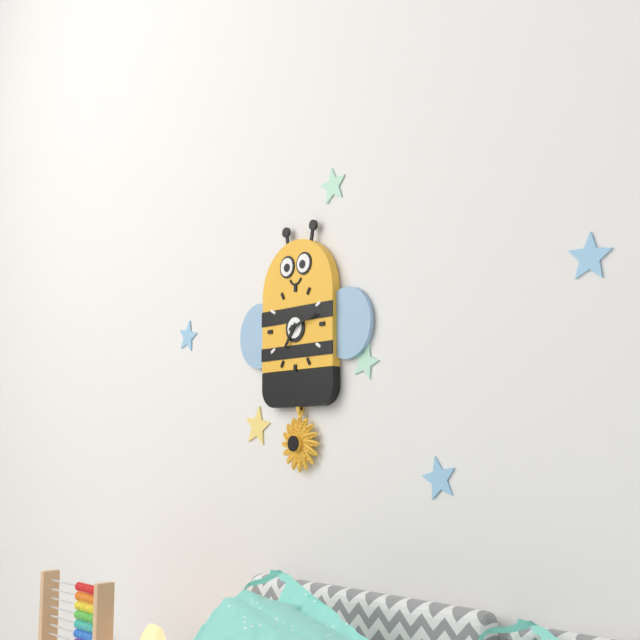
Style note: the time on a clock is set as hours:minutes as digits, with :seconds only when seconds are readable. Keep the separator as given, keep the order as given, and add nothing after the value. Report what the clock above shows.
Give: 7:12
